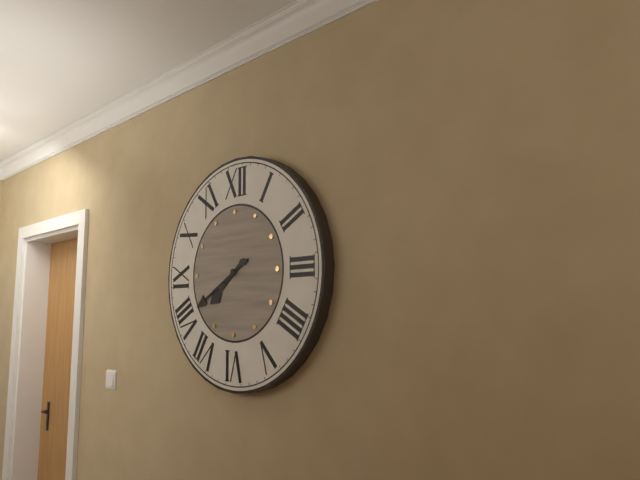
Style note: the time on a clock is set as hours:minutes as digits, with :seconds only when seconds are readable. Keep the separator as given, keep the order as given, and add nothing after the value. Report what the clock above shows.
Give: 7:40
